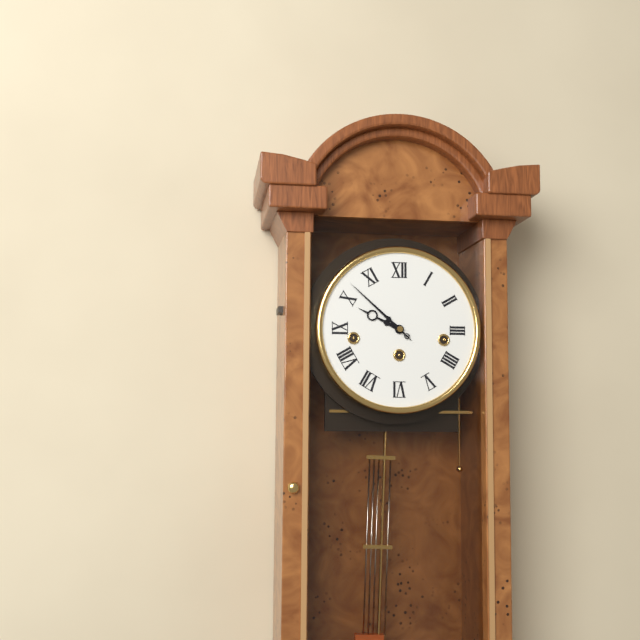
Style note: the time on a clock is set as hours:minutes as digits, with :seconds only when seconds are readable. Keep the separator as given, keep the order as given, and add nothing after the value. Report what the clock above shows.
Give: 9:52
